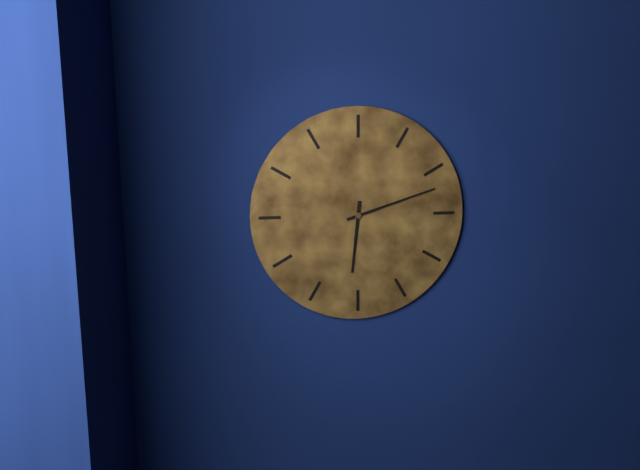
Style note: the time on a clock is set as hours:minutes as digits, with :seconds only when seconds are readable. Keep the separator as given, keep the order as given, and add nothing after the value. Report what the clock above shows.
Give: 6:12
